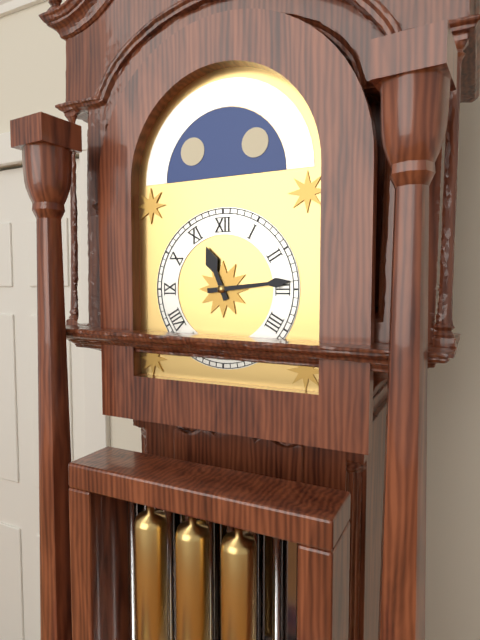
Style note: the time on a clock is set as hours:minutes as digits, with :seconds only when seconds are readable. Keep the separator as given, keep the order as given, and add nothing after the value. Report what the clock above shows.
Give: 11:14
